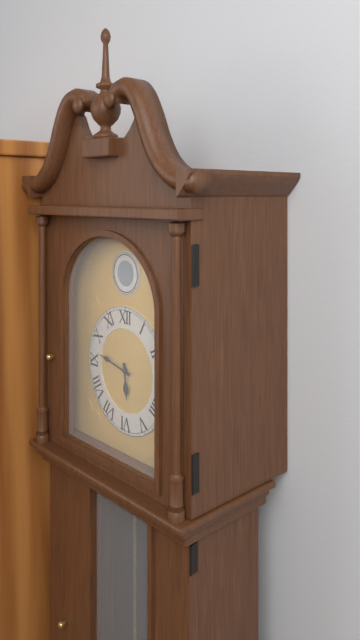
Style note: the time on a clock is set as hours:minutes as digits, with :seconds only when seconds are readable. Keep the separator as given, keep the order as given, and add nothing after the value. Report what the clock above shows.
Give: 5:47
